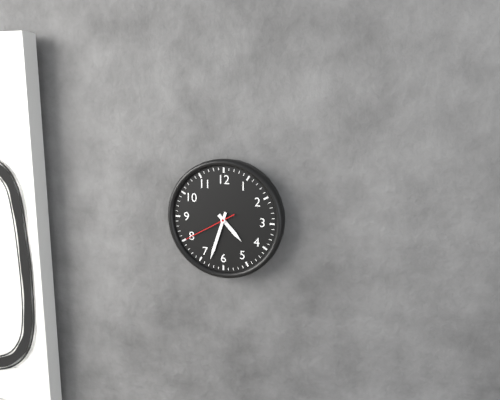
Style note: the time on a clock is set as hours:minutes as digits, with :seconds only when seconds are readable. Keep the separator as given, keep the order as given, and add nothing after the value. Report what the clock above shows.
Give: 4:33:40
